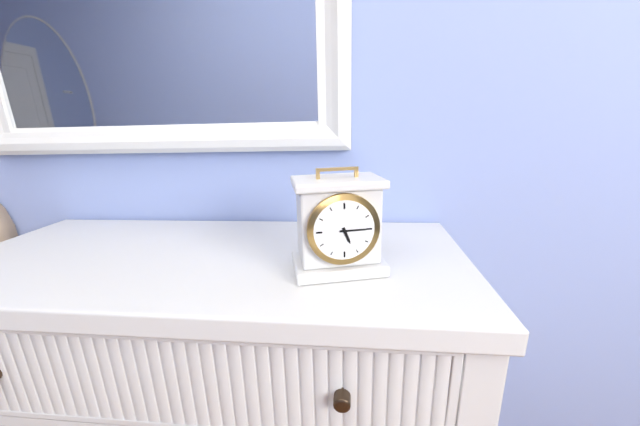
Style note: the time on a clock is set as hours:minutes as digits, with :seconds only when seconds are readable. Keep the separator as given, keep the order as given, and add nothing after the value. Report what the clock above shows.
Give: 5:15
